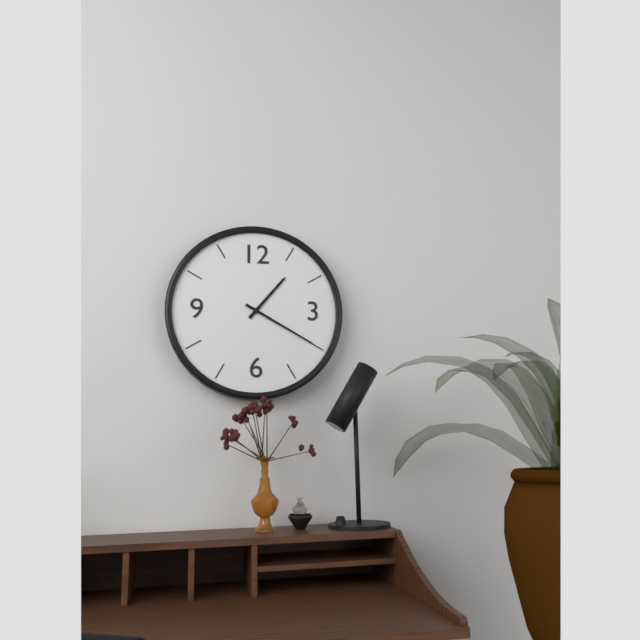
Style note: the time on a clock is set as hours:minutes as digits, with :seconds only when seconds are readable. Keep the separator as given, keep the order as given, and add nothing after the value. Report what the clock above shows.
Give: 1:20
